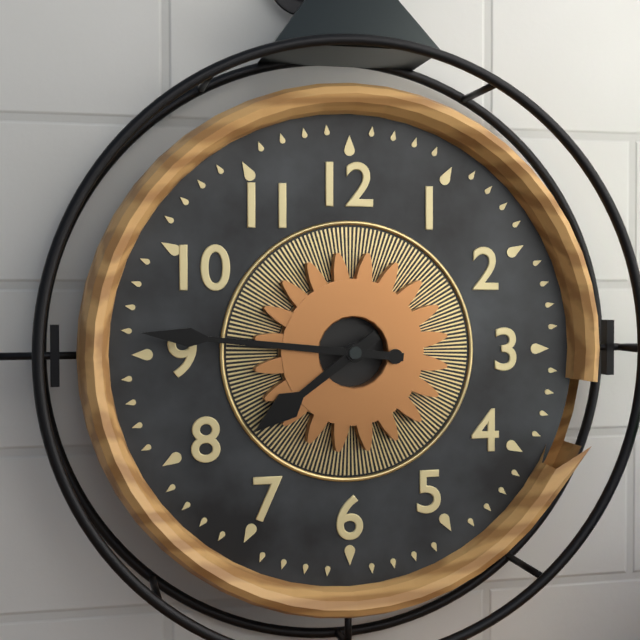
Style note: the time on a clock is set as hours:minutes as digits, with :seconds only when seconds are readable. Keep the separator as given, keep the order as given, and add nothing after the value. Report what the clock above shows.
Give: 7:46
